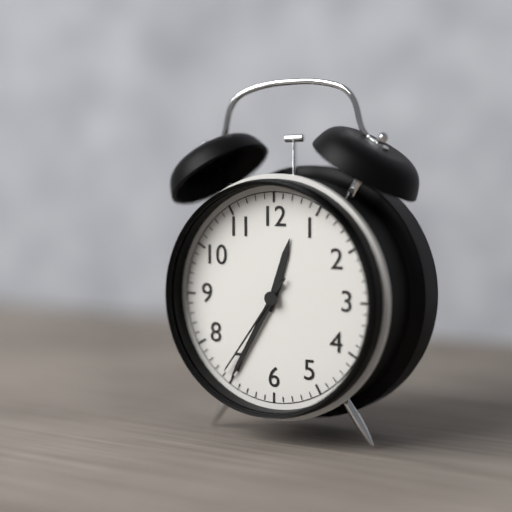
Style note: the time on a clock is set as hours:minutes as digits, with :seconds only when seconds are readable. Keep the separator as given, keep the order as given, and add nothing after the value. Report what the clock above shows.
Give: 12:35:36
